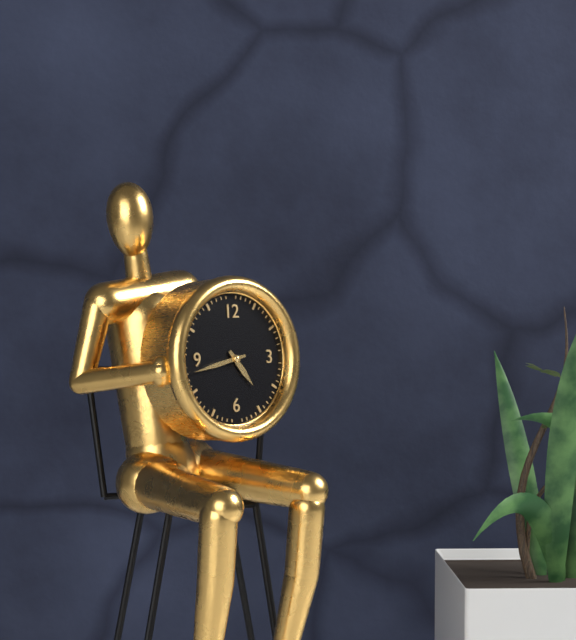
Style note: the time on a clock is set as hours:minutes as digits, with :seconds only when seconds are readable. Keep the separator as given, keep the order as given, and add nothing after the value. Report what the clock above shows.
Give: 4:43
